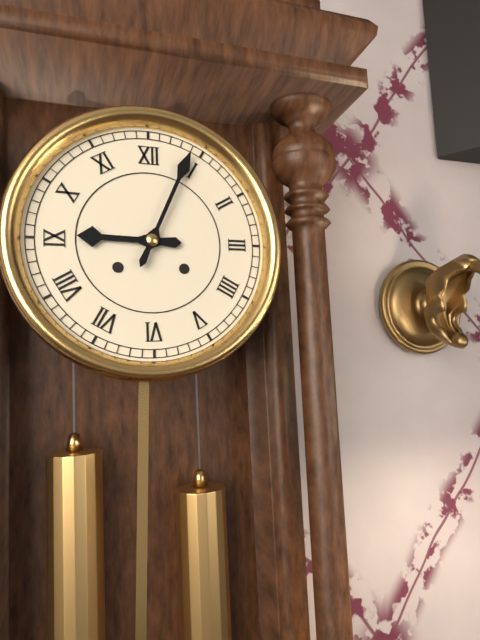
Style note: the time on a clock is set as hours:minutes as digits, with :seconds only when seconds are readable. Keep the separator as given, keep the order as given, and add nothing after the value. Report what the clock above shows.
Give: 9:04
